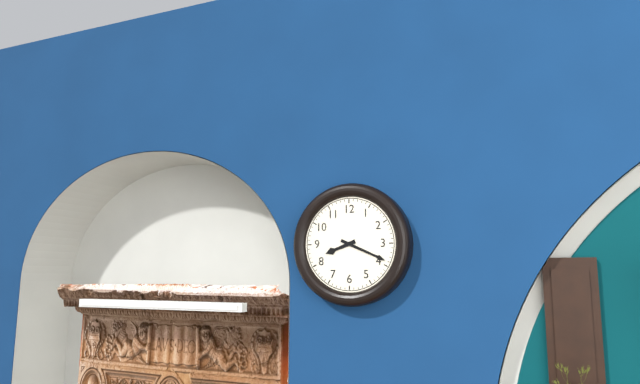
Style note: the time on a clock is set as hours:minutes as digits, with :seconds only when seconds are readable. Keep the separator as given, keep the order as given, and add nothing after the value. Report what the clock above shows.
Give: 8:19
